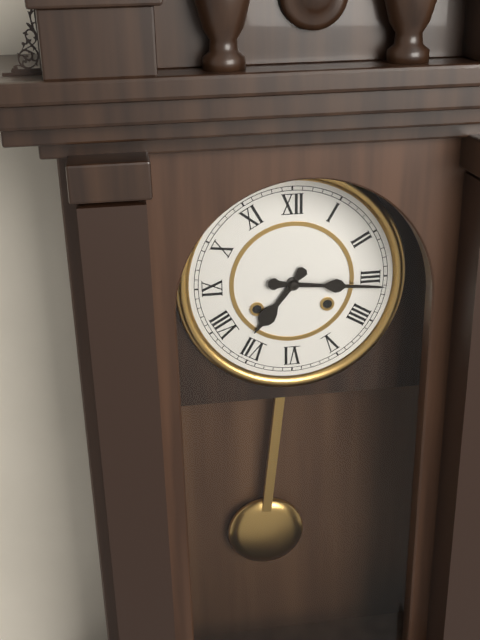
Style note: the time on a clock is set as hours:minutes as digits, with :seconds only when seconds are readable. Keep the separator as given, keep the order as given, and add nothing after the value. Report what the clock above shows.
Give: 7:16
